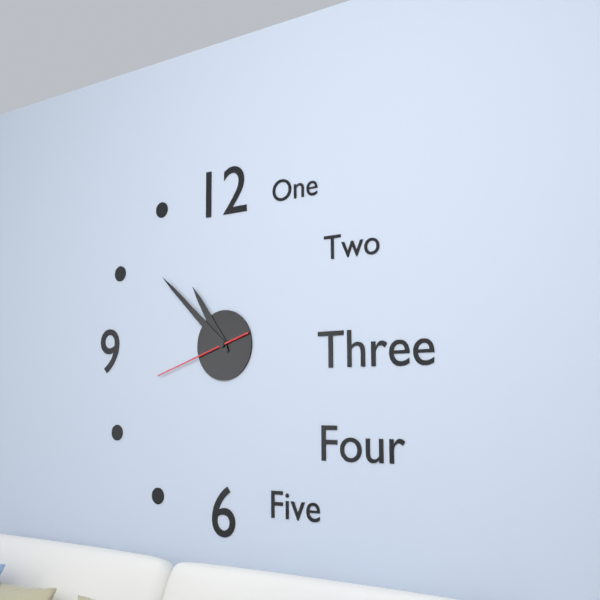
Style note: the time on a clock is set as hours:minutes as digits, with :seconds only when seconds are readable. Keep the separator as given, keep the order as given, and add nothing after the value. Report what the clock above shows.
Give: 10:52:42
